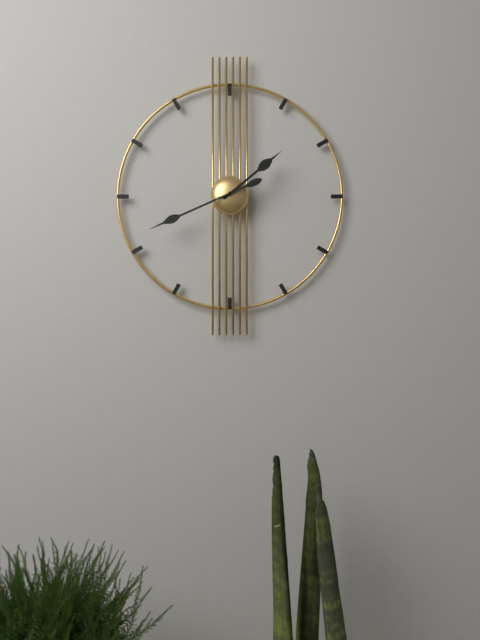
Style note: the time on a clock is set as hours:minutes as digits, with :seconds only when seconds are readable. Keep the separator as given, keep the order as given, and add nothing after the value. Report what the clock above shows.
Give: 1:41
